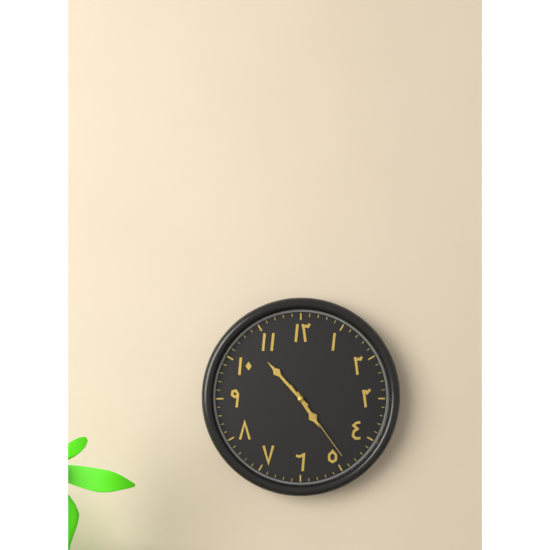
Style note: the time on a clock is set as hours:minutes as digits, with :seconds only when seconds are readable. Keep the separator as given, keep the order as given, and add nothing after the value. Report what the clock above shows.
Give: 4:53:24
